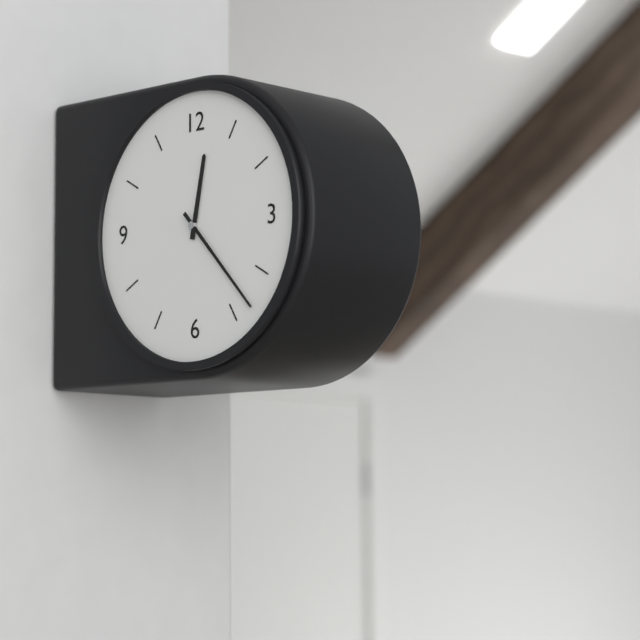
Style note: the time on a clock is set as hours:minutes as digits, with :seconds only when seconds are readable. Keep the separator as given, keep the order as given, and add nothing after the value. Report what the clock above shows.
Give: 12:23
